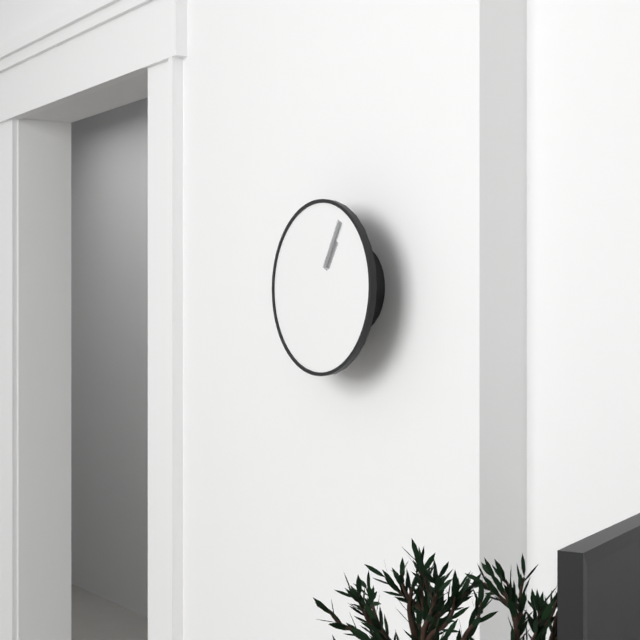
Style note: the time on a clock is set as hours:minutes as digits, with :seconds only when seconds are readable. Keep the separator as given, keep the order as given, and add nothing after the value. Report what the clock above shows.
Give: 1:05
